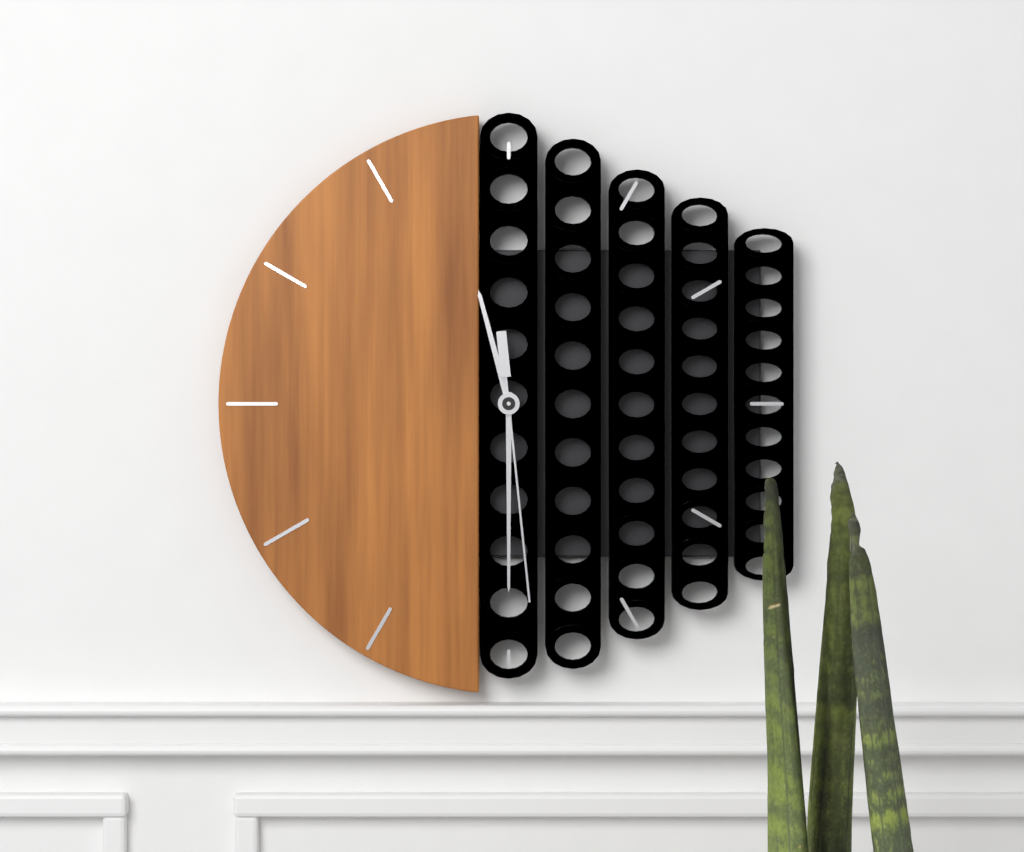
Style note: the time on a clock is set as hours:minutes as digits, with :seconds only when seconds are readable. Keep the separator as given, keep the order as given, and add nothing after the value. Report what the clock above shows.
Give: 11:30:29
